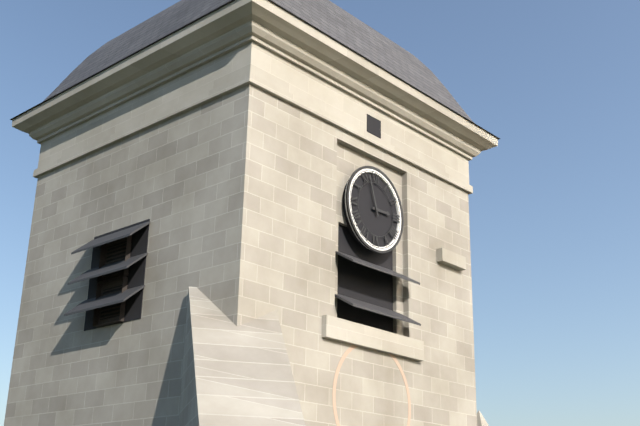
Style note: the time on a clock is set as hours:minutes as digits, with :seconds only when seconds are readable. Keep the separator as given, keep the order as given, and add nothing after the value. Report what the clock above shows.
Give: 2:57
